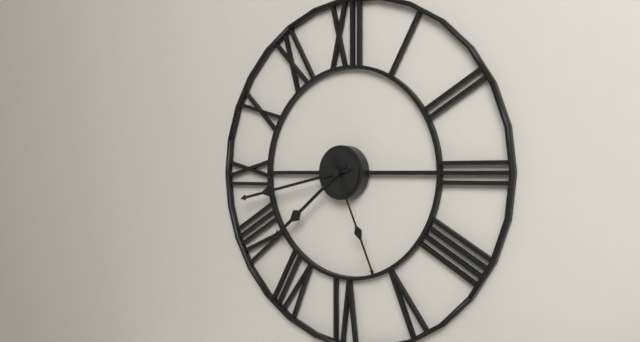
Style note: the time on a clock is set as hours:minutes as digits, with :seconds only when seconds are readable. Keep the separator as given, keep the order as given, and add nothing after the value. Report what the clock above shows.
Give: 7:43:26
